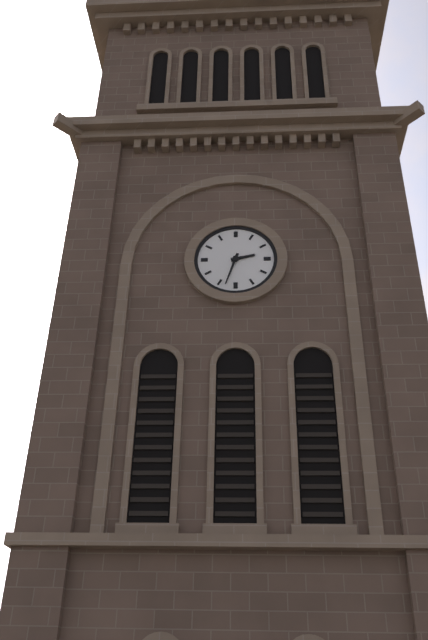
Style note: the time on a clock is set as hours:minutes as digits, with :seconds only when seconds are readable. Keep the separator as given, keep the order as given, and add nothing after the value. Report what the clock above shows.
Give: 2:33
